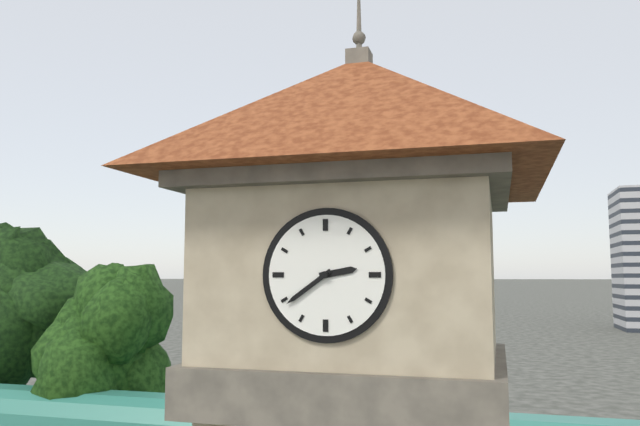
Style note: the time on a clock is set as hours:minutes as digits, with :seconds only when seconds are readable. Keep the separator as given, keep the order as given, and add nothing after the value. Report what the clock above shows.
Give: 2:39
